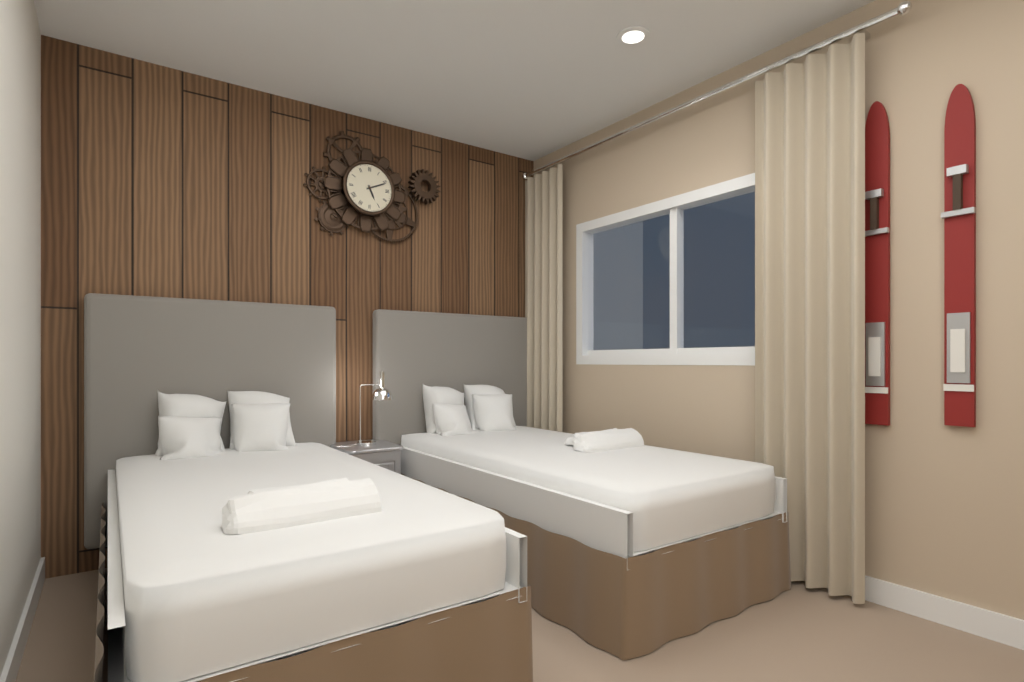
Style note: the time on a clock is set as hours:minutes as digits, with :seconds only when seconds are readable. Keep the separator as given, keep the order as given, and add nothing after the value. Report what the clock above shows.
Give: 5:11
